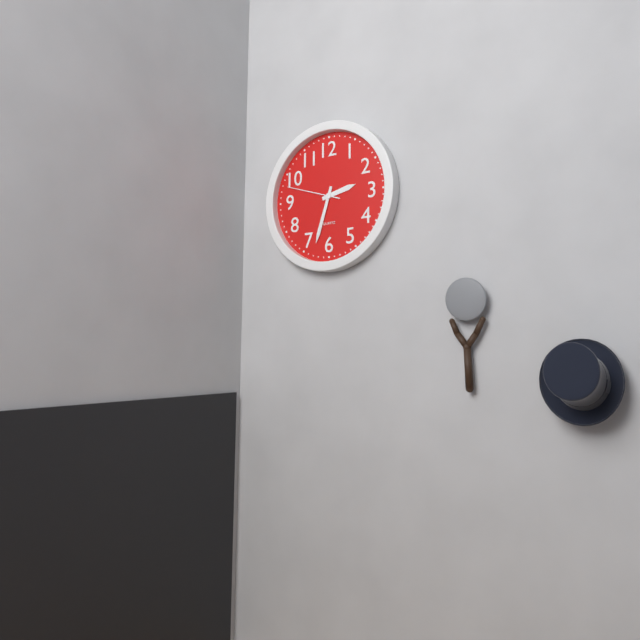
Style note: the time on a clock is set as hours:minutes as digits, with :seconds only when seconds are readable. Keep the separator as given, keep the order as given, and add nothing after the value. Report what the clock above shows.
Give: 2:33:48
